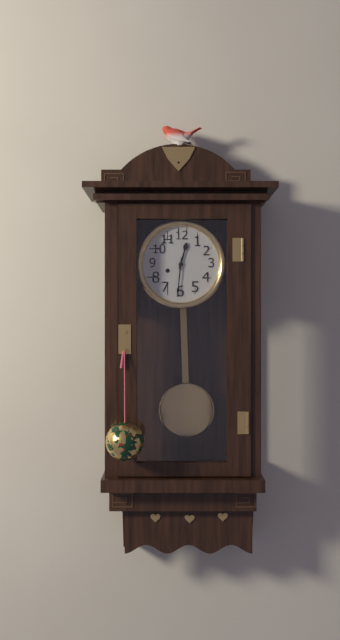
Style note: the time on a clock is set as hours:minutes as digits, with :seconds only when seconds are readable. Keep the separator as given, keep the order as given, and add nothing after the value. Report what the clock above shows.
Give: 12:31
